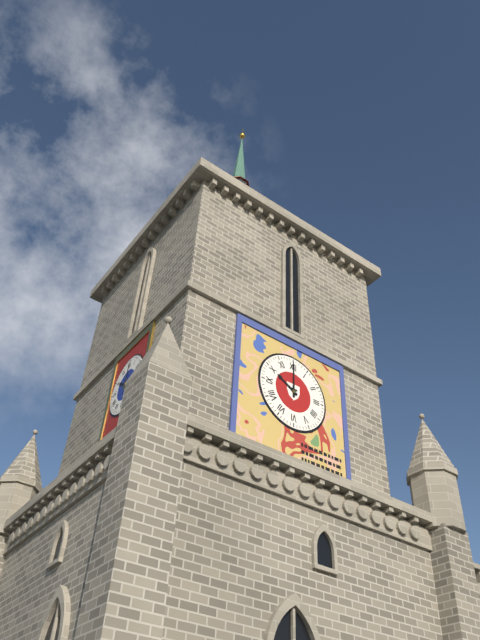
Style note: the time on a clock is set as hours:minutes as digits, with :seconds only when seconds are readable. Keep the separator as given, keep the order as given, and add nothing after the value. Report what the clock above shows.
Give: 10:00
